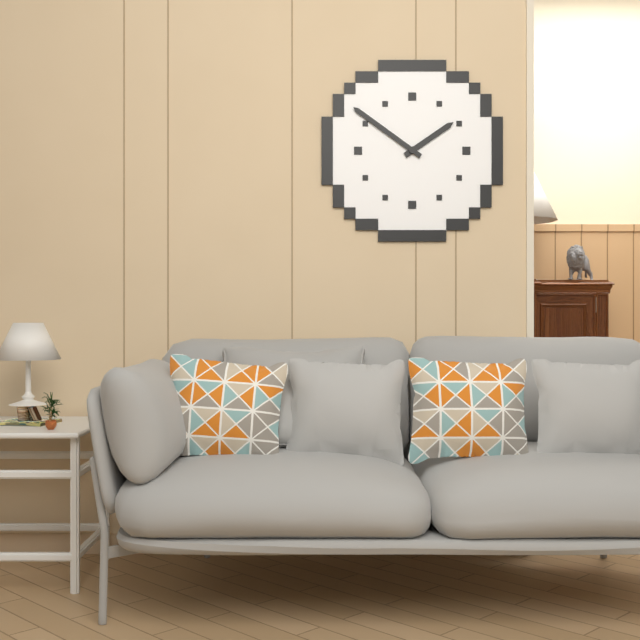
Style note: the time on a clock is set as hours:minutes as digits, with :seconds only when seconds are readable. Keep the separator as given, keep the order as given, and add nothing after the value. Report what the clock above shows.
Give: 1:51
